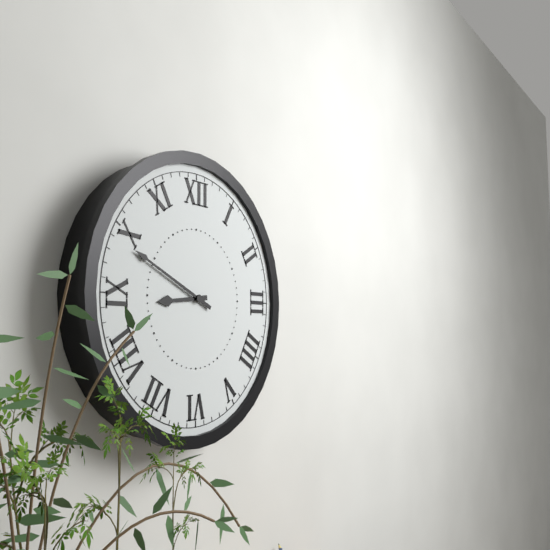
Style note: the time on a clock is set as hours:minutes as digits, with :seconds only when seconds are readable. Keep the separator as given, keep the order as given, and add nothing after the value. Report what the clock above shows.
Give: 8:49
